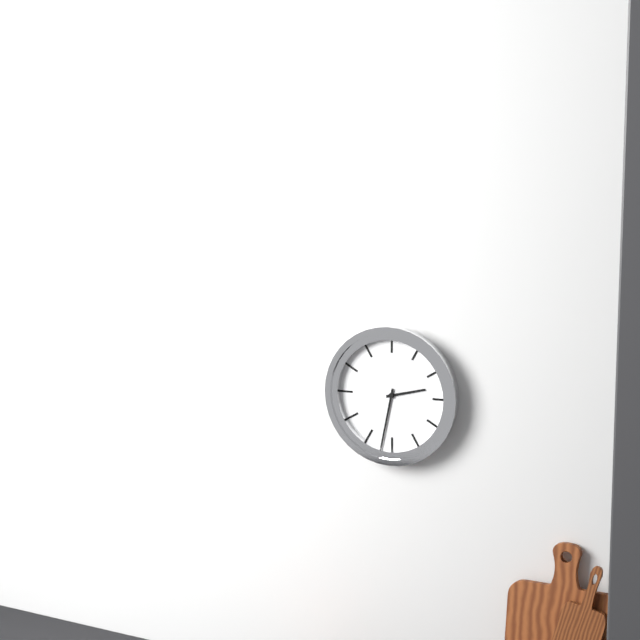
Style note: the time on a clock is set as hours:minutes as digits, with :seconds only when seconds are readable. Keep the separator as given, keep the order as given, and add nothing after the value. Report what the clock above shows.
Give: 2:32
